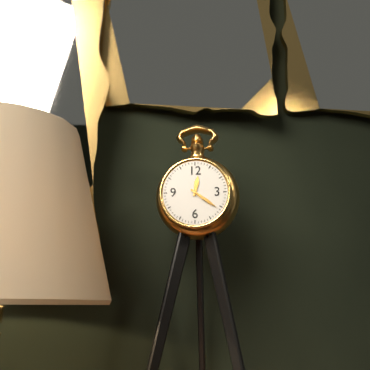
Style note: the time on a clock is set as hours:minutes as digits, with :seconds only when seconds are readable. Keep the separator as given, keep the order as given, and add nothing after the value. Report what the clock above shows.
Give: 12:21
